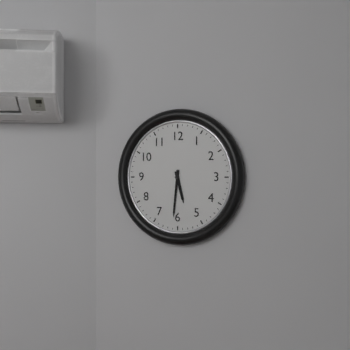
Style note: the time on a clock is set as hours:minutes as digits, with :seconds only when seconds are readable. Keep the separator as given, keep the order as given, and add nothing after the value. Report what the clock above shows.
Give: 5:31
